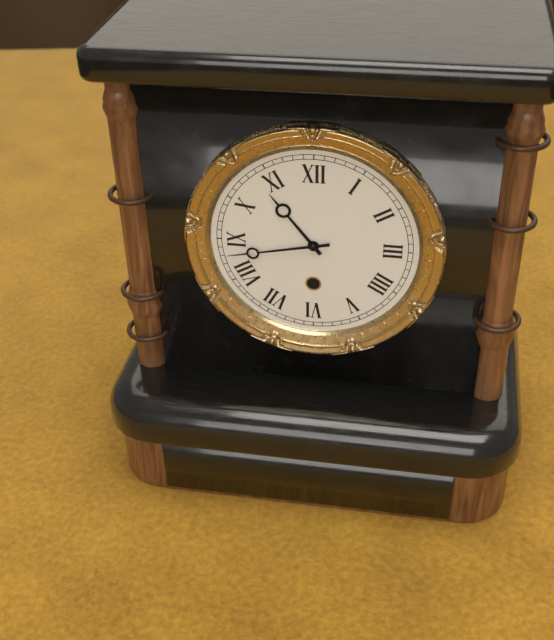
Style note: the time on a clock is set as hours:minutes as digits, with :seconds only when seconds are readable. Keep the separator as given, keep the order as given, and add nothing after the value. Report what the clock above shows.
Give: 10:43
